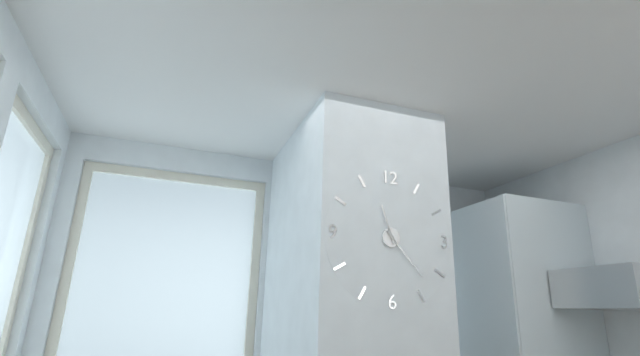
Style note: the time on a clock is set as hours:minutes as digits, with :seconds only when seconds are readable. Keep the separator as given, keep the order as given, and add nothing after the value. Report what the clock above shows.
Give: 11:23
